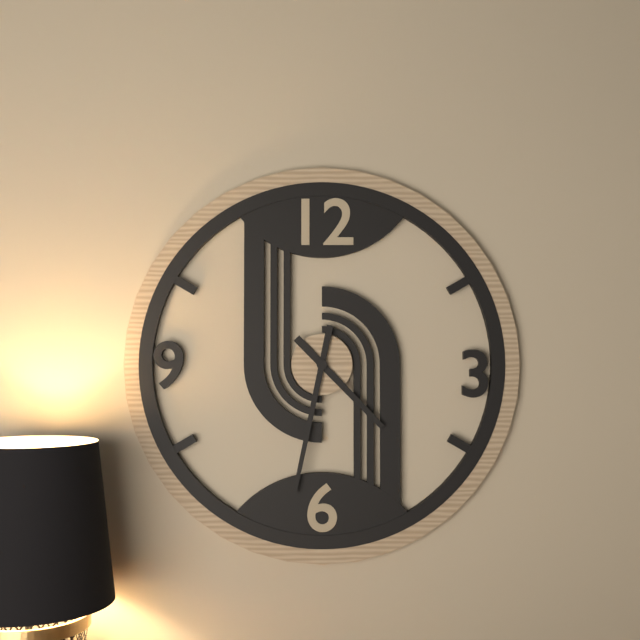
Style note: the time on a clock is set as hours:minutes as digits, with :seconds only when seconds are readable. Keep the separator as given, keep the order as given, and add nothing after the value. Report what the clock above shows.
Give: 4:32
